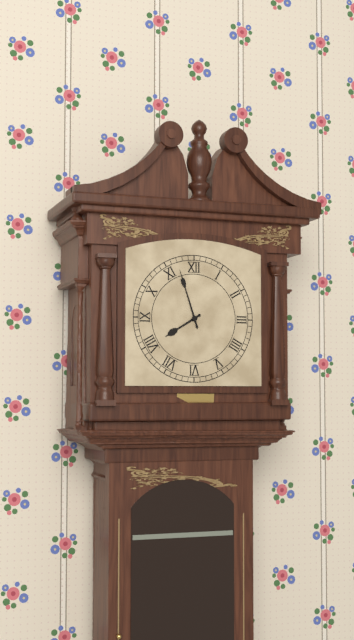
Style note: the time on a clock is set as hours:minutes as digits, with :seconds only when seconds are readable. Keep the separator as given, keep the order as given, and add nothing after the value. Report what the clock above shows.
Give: 7:57
